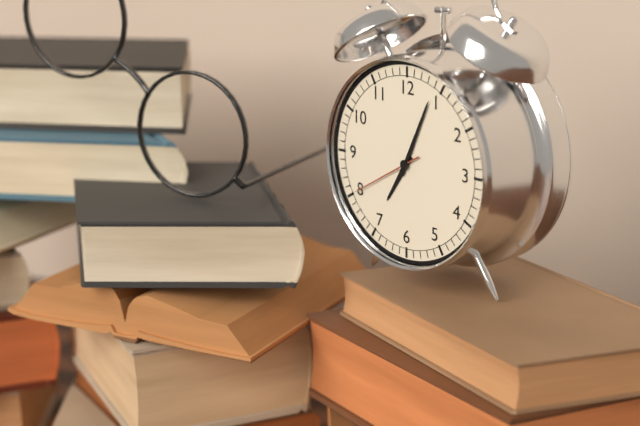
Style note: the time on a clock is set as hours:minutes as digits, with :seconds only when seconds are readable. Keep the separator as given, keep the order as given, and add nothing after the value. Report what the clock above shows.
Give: 7:04:40
